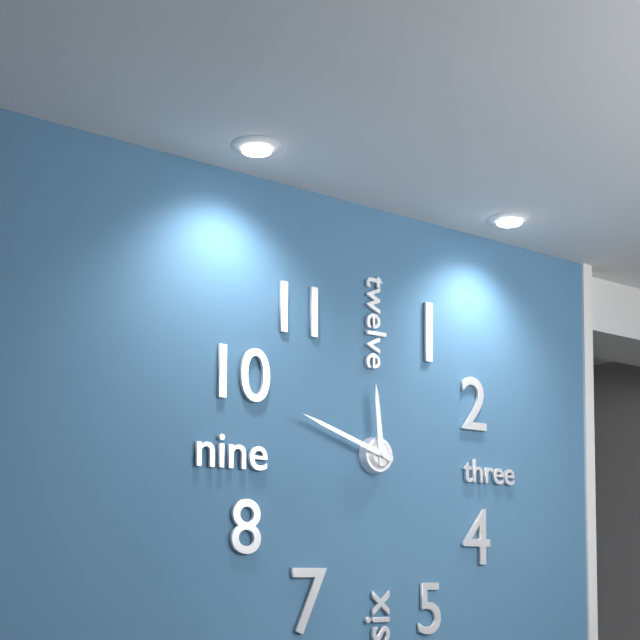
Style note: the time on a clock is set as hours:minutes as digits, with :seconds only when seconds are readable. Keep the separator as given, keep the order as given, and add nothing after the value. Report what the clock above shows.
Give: 11:48
